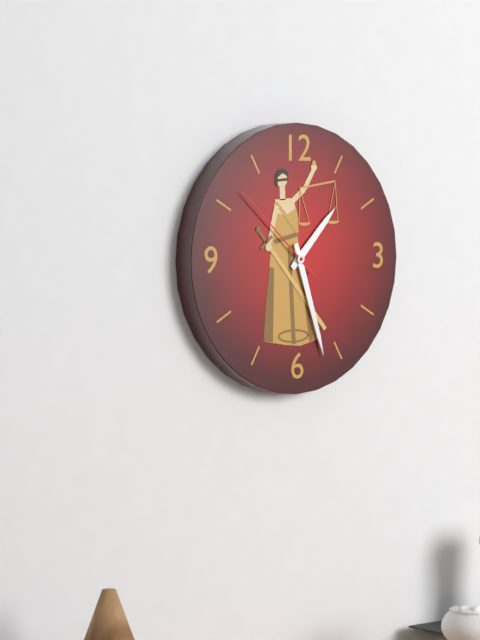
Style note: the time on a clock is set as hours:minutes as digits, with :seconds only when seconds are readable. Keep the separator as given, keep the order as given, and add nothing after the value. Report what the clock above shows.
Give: 1:27:52
